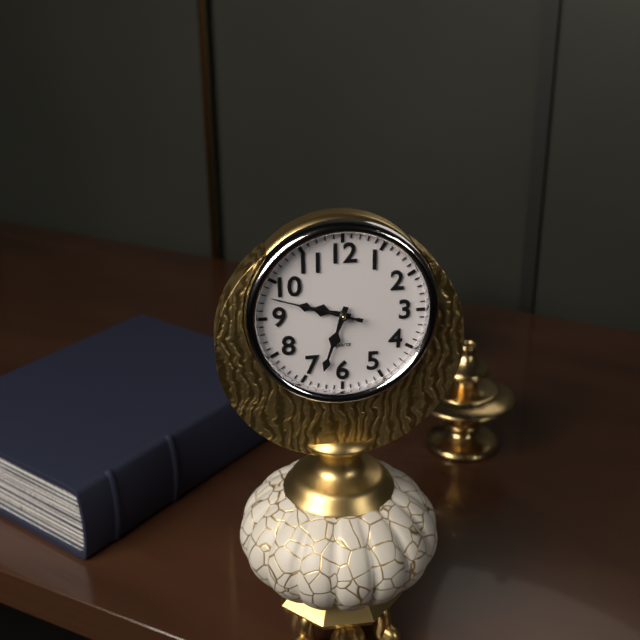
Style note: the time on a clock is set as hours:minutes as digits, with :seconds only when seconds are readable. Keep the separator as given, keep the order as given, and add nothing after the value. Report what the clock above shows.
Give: 9:33:48
